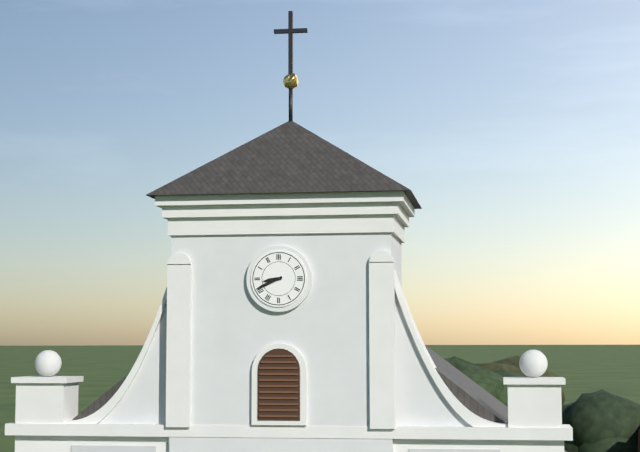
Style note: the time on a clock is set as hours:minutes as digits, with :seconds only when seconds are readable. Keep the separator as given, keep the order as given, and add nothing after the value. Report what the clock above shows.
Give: 8:41
